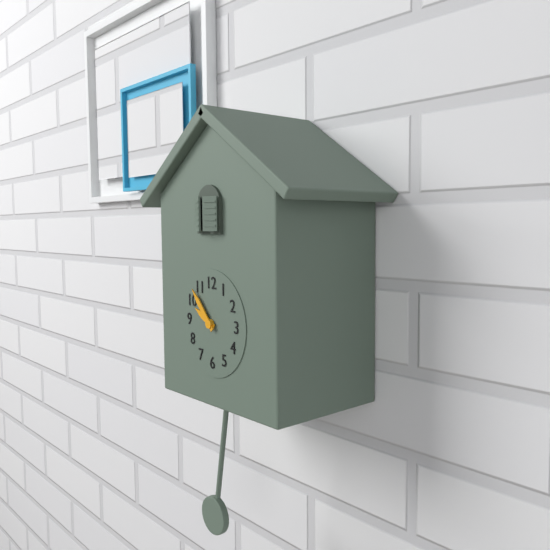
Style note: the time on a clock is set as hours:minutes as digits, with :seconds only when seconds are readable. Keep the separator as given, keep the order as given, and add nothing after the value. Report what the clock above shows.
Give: 9:53
